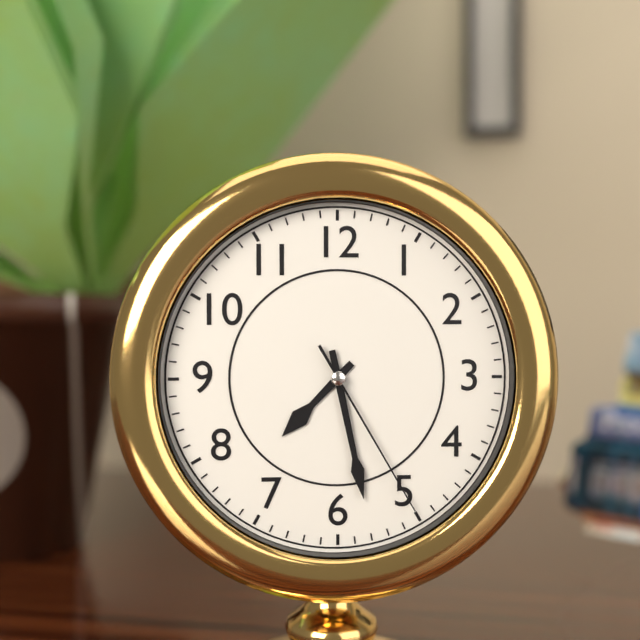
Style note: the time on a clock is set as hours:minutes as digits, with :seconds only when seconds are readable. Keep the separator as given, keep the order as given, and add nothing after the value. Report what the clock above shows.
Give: 7:28:25
